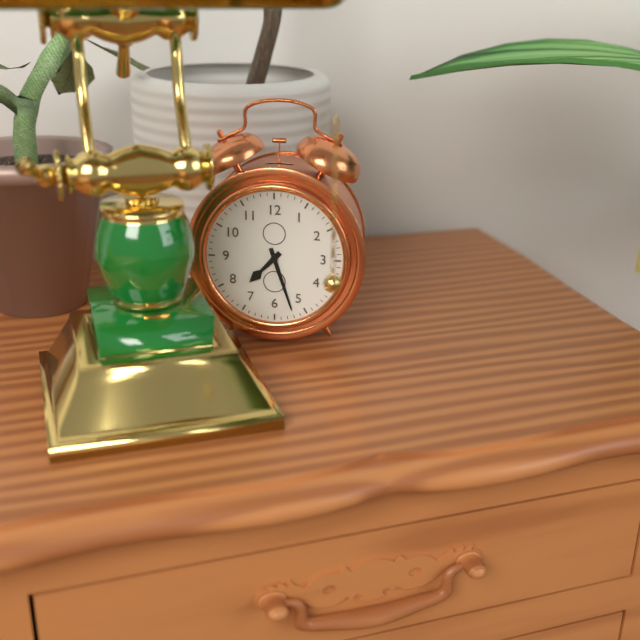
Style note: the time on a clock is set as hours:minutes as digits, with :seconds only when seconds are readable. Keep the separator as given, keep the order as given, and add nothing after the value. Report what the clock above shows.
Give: 7:27
